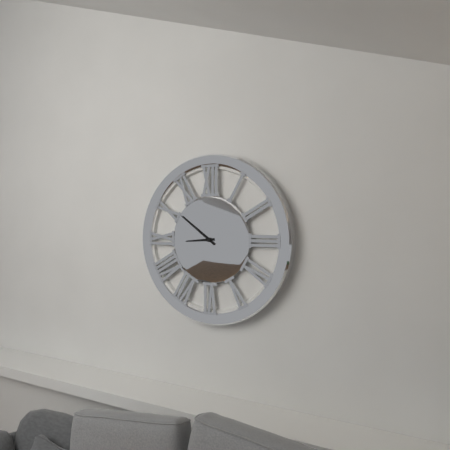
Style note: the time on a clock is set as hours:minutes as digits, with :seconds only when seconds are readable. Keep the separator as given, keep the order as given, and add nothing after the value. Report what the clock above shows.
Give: 8:51
